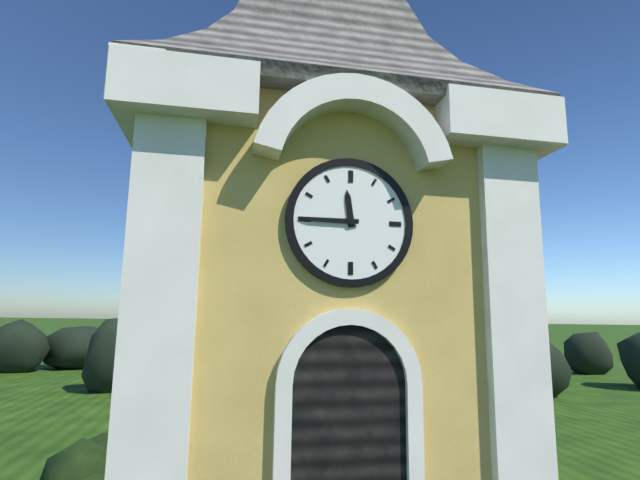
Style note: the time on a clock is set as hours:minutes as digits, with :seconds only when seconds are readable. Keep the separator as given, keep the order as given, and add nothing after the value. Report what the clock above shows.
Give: 11:45
